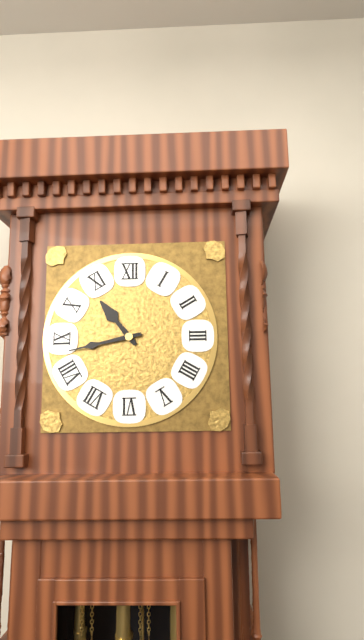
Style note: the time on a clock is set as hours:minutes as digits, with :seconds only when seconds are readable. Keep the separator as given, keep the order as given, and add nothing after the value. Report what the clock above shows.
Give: 10:43
